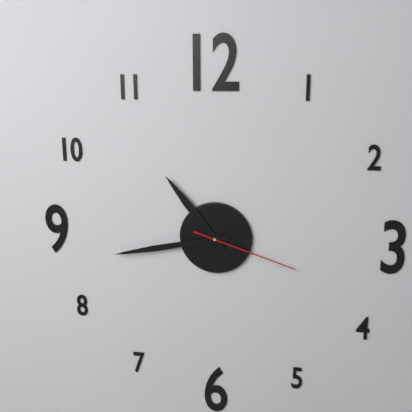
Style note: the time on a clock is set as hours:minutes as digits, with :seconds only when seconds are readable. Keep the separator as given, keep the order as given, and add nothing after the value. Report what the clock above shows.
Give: 10:43:18
